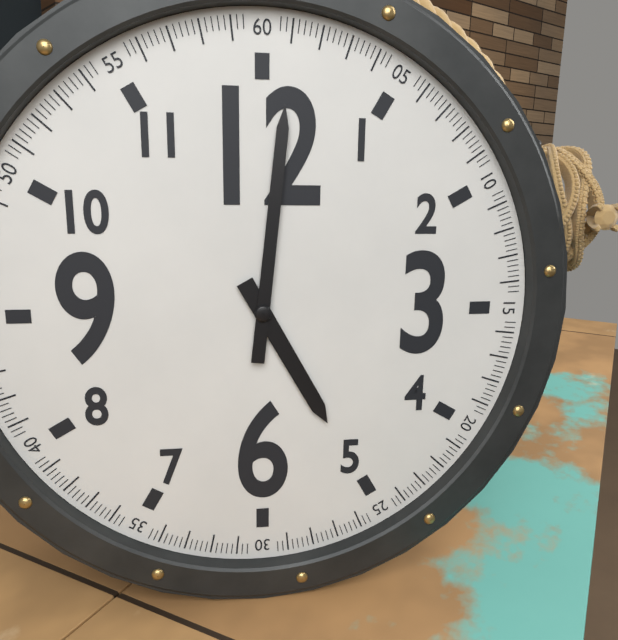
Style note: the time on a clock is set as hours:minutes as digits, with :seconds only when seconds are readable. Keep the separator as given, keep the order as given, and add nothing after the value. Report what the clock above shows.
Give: 5:01
